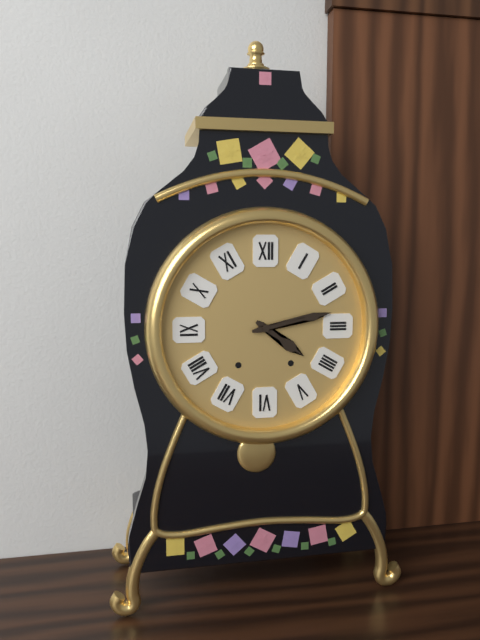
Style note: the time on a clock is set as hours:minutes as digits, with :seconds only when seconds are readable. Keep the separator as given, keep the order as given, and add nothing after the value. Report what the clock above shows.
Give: 4:13
